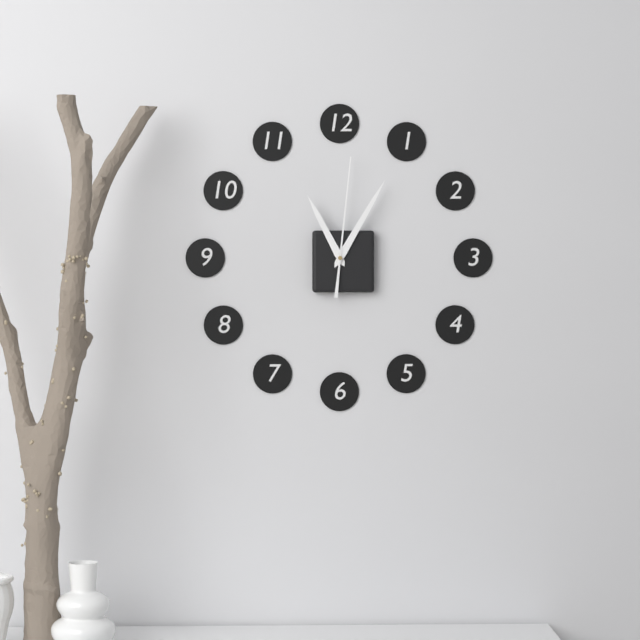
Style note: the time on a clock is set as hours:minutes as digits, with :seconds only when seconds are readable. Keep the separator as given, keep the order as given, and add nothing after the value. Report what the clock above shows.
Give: 11:05:01
